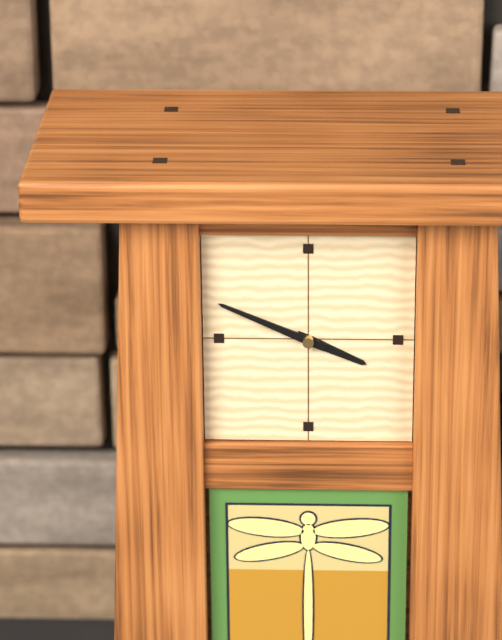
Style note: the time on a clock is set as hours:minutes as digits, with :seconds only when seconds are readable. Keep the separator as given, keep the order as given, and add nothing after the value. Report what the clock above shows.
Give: 3:49
